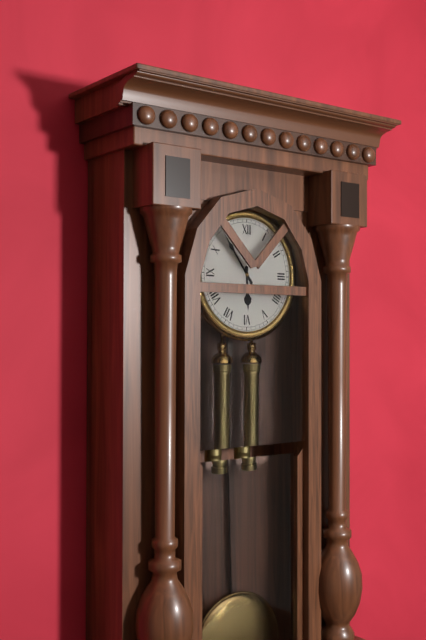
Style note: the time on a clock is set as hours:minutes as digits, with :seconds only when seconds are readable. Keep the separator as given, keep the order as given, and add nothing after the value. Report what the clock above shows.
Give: 5:54
